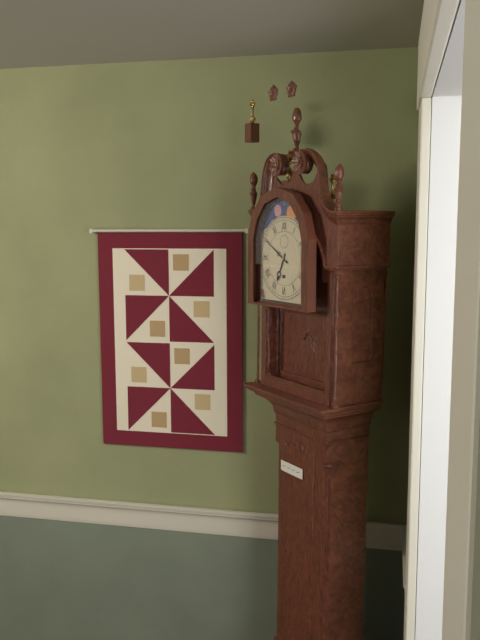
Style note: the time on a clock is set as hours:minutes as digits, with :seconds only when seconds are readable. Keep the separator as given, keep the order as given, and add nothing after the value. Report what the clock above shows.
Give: 6:50
